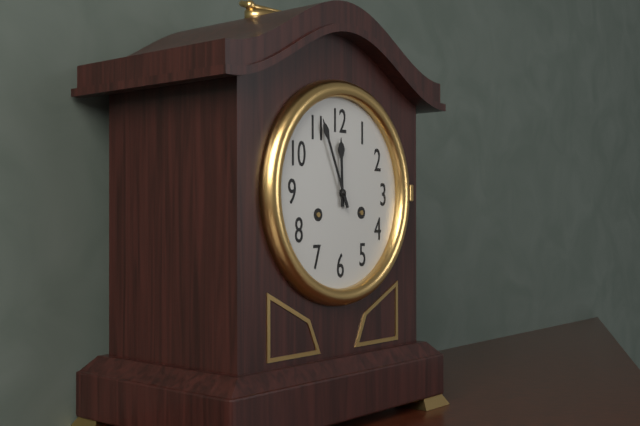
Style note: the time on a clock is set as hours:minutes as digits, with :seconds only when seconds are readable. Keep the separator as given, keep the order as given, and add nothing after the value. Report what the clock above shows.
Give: 11:56
